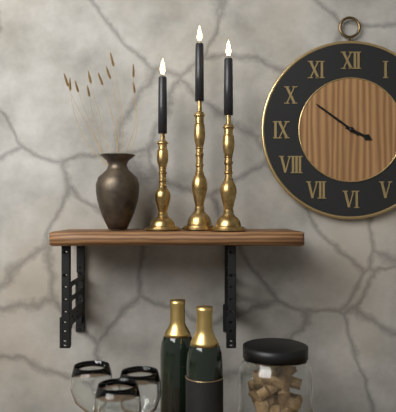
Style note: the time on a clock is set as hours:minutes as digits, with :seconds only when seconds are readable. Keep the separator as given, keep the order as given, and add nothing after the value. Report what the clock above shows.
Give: 3:51
